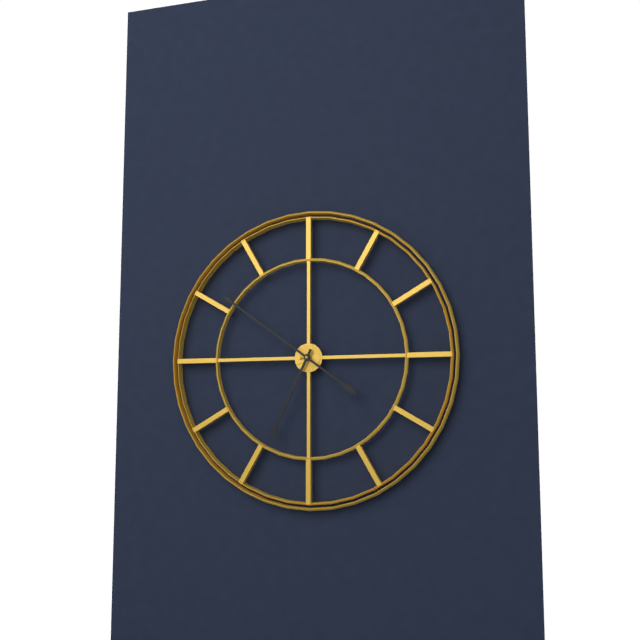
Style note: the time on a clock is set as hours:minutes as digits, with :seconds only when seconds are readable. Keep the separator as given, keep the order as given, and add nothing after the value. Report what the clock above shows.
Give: 6:51
